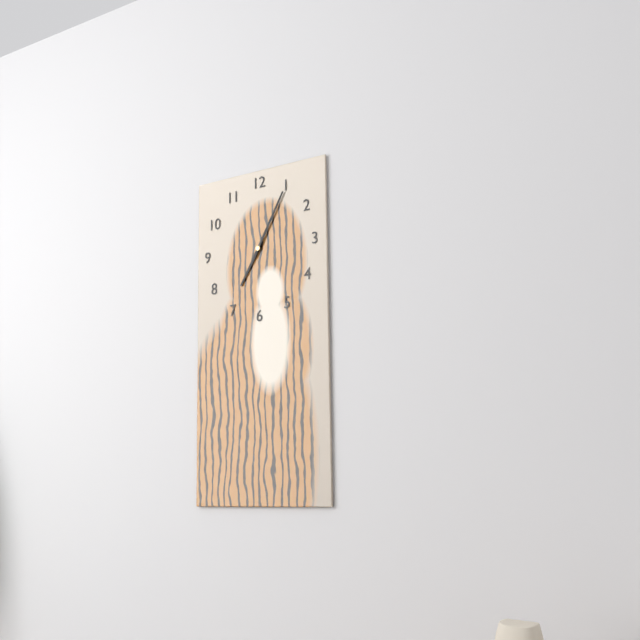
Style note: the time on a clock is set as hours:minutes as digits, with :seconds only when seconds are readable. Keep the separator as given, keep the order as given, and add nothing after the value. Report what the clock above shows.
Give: 7:05
